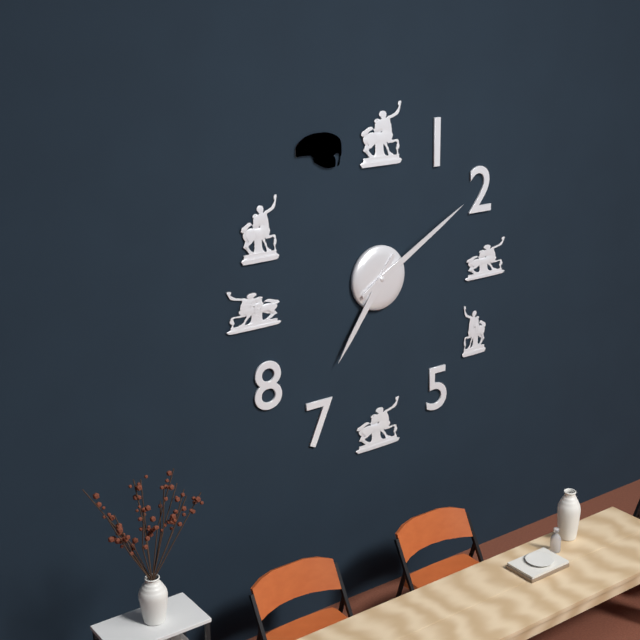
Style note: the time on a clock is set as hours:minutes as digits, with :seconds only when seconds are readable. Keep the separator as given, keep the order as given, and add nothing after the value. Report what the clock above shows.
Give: 7:10
